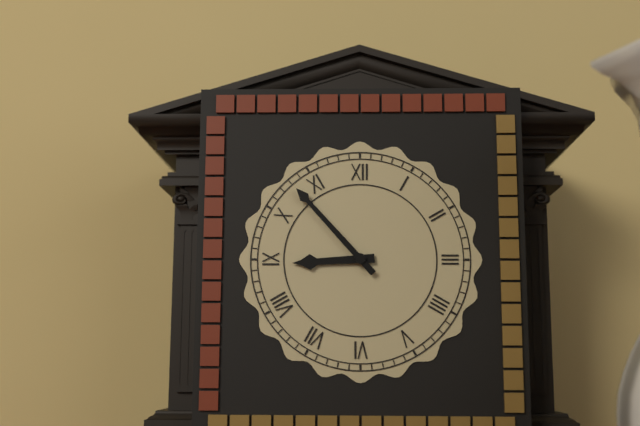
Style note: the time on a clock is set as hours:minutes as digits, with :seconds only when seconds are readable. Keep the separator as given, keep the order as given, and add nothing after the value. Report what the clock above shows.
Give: 8:53
